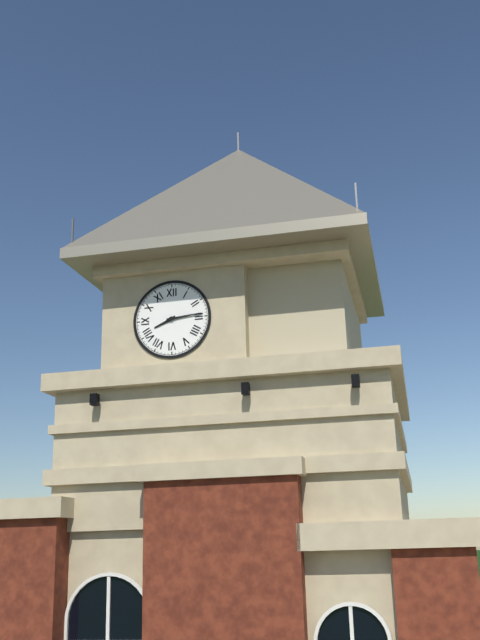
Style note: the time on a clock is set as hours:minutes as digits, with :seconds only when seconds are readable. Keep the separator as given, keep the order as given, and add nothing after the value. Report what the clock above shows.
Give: 8:14
